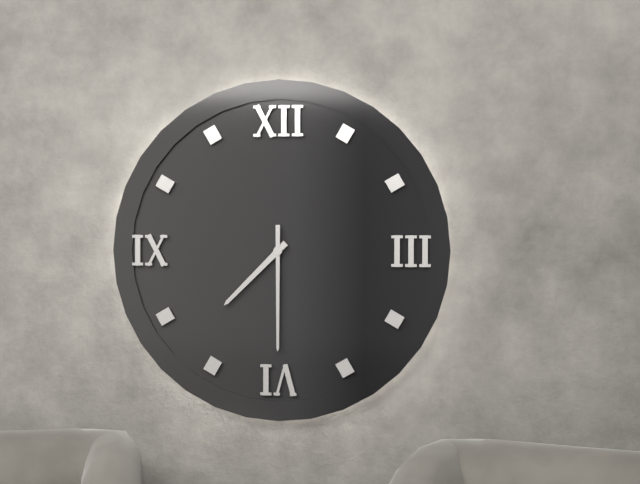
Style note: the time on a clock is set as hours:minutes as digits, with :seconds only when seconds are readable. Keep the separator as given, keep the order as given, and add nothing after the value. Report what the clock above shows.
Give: 7:30
